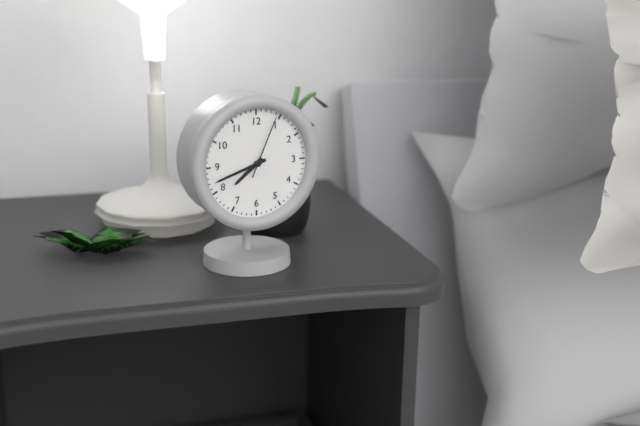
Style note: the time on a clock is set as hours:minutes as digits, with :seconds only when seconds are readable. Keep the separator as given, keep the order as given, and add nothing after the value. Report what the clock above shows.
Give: 7:42:04
